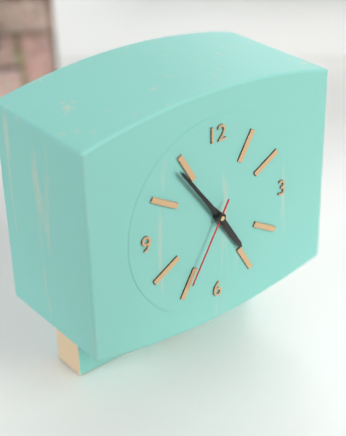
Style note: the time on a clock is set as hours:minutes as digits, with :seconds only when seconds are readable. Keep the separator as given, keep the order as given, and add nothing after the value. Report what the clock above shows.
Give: 4:54:35
